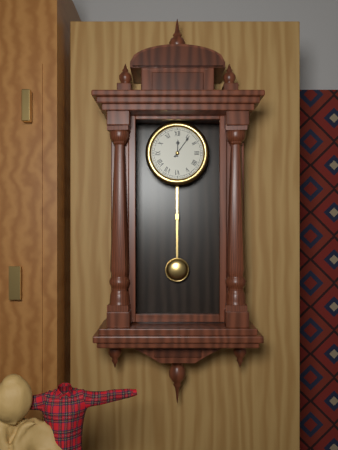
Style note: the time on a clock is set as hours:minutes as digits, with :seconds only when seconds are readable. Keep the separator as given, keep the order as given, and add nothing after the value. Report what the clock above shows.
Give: 12:06
